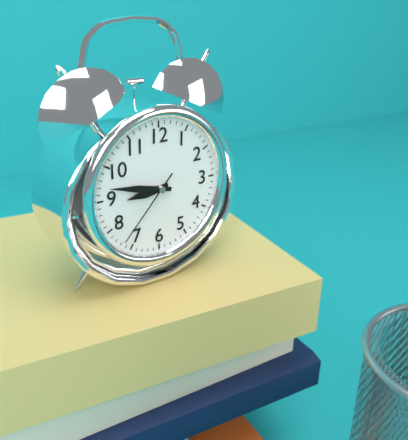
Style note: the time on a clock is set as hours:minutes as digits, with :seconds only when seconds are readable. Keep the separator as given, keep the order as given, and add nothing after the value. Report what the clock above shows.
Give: 8:47:37
